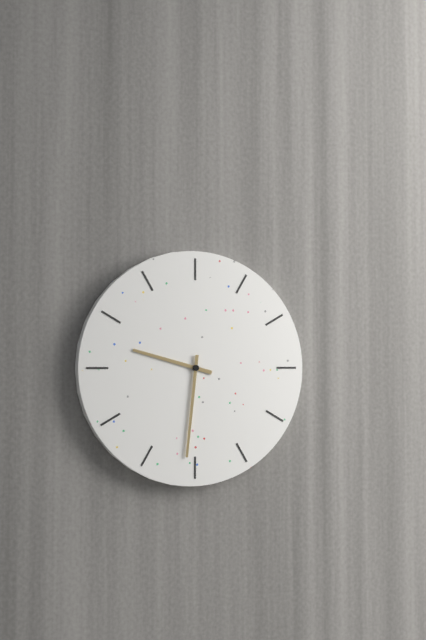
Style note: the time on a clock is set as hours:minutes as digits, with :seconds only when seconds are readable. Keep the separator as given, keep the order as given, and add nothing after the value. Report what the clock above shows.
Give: 9:31
